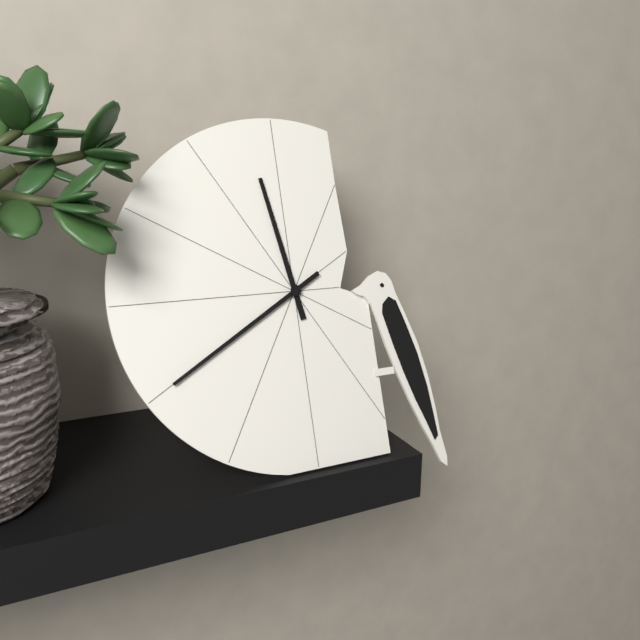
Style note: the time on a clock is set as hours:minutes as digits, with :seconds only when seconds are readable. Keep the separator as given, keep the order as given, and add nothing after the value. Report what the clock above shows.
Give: 11:40
